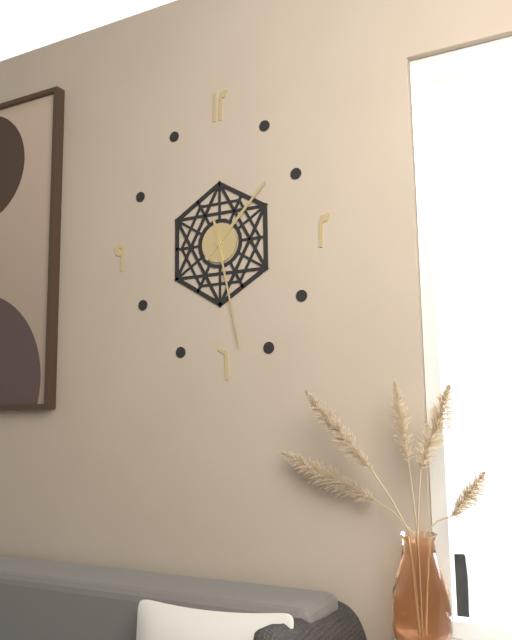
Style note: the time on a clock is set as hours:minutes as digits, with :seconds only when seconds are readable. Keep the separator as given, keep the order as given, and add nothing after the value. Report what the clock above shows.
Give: 1:28
